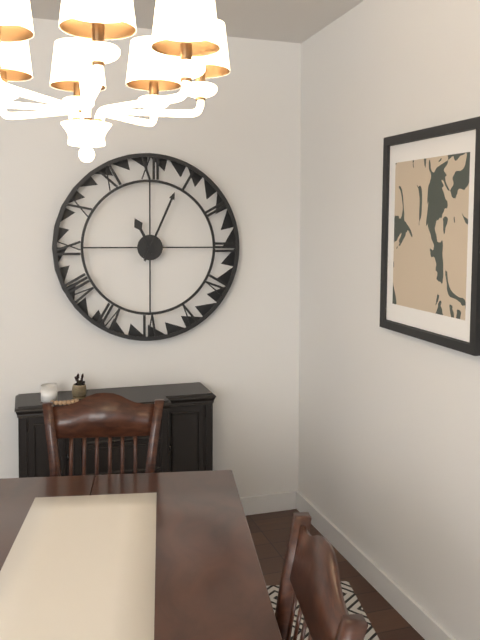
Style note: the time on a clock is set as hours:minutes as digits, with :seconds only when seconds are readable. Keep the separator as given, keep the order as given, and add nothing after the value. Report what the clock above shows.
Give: 11:04
